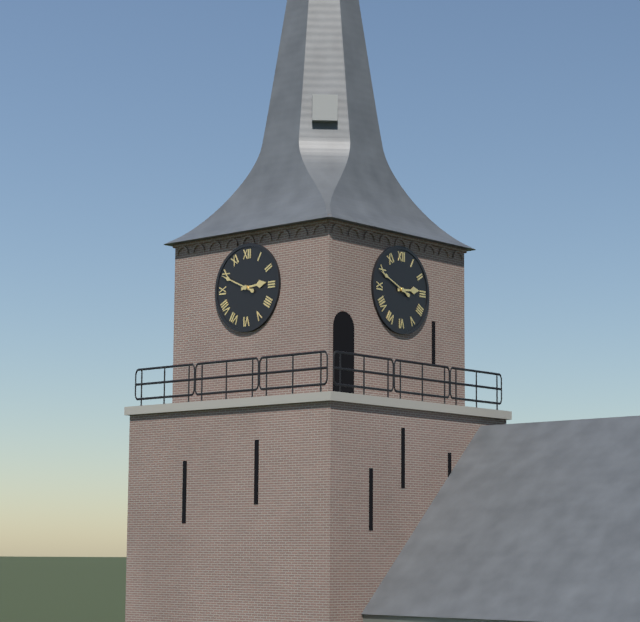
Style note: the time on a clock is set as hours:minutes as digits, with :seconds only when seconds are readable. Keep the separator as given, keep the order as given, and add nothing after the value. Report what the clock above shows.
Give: 2:49
